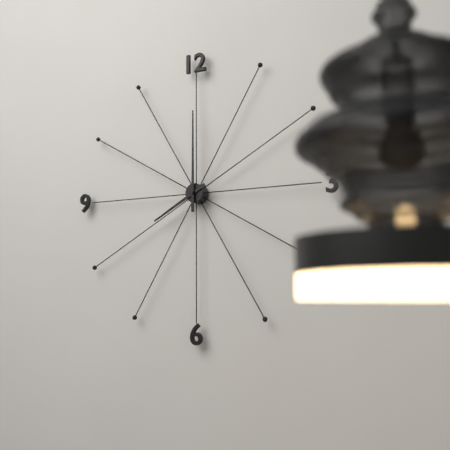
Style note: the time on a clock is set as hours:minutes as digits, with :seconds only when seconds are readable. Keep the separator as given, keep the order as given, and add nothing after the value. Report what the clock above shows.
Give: 8:00
